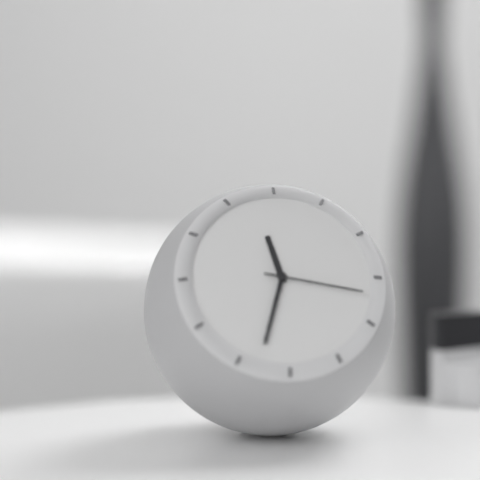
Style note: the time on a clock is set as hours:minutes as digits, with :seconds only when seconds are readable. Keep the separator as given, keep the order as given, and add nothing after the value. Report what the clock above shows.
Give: 11:33:17
